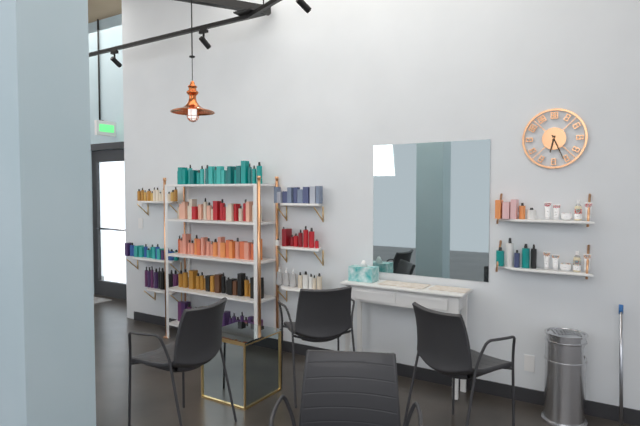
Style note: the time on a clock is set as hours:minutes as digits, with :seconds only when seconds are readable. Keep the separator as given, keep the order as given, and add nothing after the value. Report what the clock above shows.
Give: 6:26
